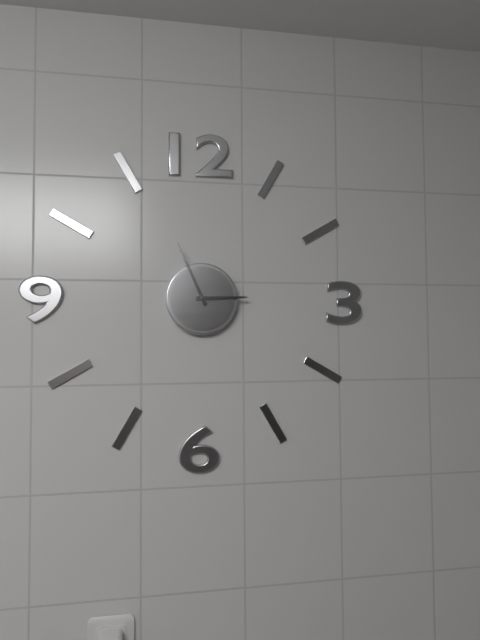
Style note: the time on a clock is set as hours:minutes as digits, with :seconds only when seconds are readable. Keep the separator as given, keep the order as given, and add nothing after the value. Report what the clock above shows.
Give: 2:56
